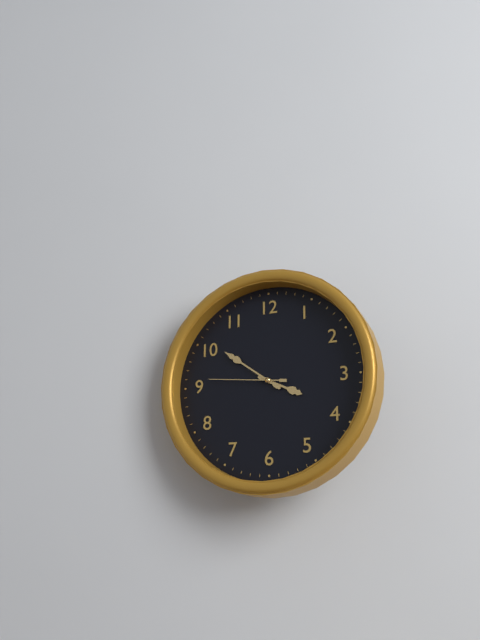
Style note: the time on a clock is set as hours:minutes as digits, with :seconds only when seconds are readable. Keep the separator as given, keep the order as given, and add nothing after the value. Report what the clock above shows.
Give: 3:51:46
